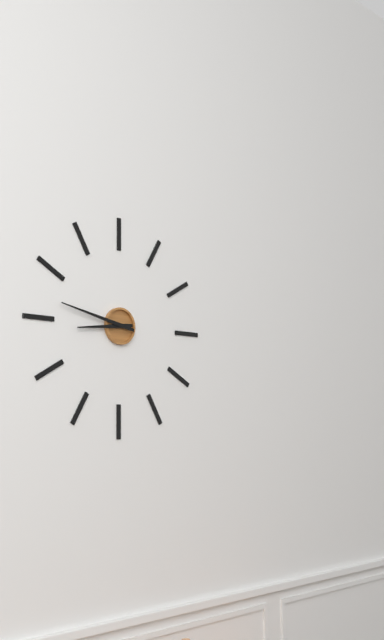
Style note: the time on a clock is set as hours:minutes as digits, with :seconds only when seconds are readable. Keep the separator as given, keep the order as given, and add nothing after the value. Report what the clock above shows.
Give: 8:47
